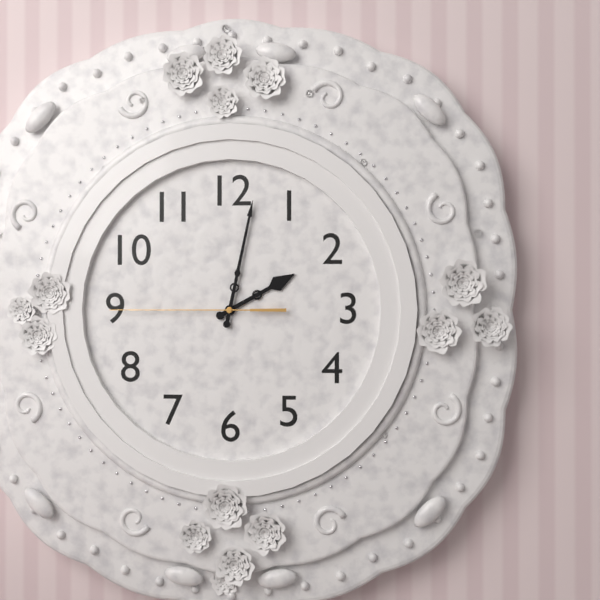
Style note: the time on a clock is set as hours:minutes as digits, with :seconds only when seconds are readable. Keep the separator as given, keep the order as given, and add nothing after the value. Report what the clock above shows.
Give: 2:02:45
